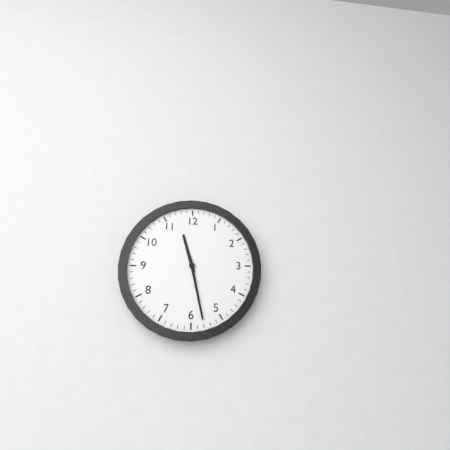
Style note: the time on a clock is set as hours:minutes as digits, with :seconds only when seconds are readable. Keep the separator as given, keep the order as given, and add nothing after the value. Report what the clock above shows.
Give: 11:28
